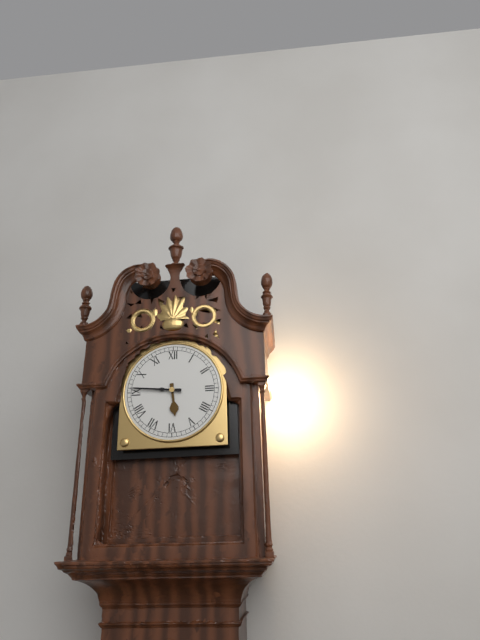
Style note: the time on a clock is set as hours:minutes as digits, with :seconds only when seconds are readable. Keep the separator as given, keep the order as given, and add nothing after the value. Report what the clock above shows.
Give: 5:46
